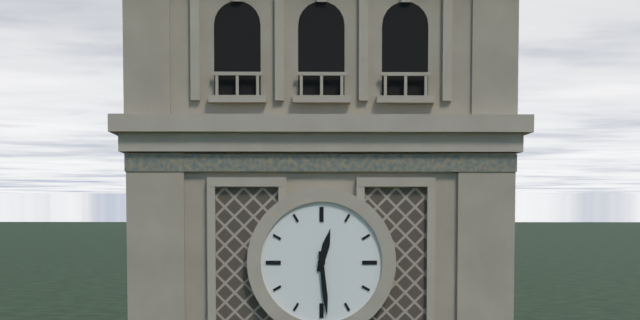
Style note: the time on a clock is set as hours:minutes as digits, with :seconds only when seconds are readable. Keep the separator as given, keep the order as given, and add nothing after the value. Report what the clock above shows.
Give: 12:29
